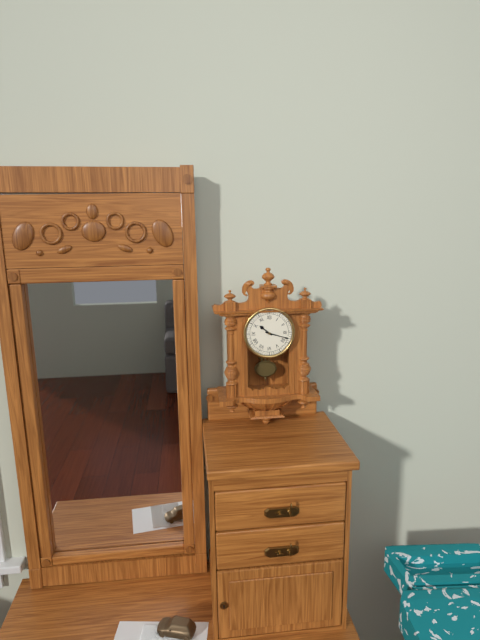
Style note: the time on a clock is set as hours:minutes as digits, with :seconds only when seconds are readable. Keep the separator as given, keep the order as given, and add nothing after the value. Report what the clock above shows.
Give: 10:18
